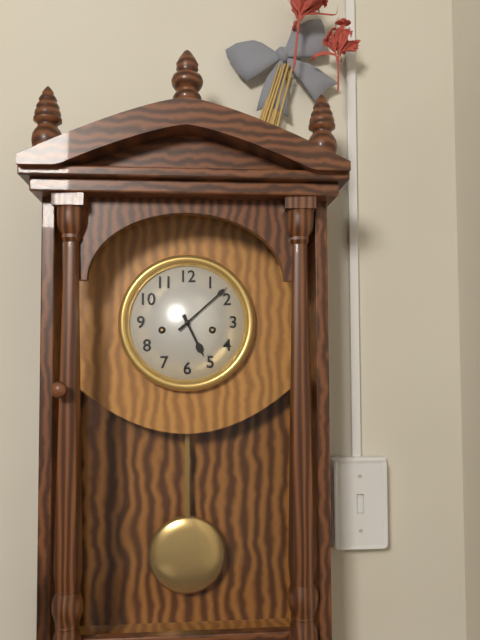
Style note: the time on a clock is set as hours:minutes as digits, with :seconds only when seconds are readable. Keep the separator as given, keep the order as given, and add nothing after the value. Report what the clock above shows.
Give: 5:08
